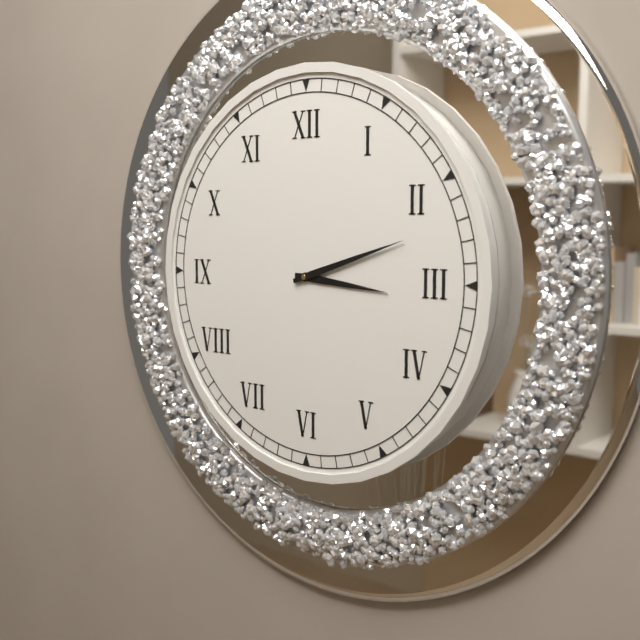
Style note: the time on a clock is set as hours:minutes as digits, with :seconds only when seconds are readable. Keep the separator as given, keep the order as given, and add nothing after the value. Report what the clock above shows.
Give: 3:12
